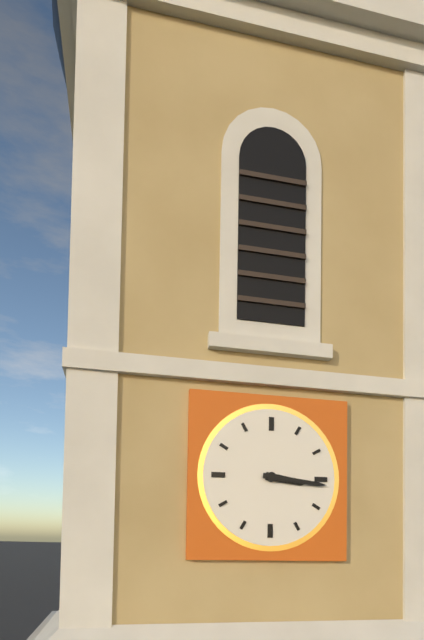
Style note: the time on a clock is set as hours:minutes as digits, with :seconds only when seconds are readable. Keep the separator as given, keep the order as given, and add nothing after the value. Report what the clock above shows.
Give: 3:16
